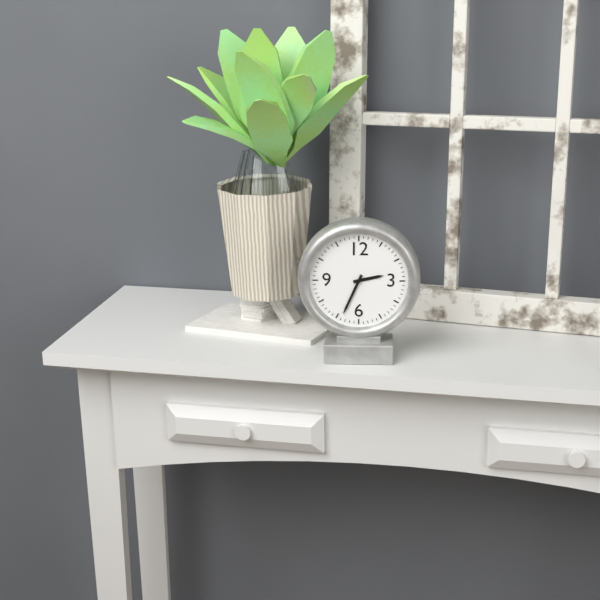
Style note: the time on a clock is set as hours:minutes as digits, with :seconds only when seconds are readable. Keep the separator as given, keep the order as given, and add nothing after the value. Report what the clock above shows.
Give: 2:34
